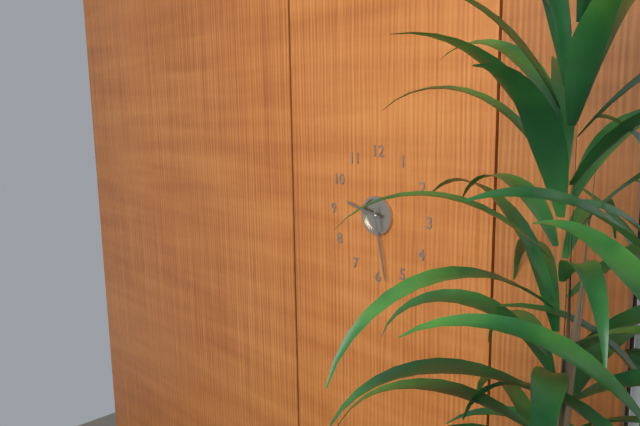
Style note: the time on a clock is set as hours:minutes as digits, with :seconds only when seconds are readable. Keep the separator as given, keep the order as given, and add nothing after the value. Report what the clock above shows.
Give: 9:28
